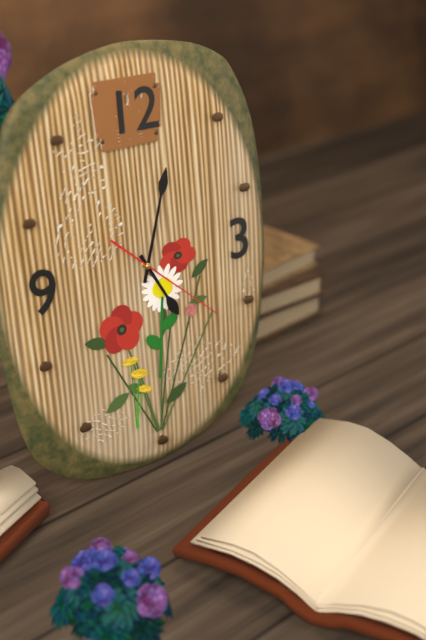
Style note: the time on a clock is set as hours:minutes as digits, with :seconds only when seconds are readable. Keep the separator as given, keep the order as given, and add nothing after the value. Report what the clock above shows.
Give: 5:03:22
